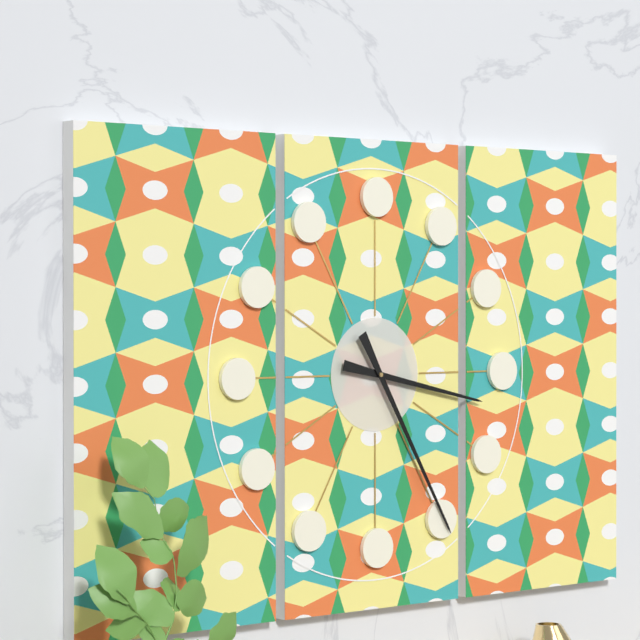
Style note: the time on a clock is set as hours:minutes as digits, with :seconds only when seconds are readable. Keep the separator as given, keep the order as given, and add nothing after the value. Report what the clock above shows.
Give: 3:25
